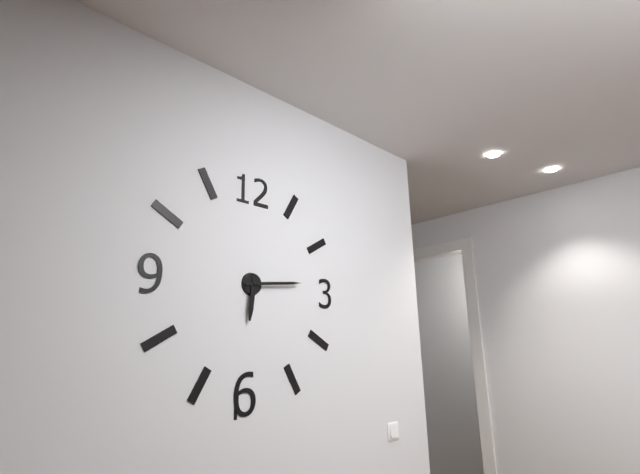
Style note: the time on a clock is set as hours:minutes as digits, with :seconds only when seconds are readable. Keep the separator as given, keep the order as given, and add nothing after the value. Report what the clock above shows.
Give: 6:14
